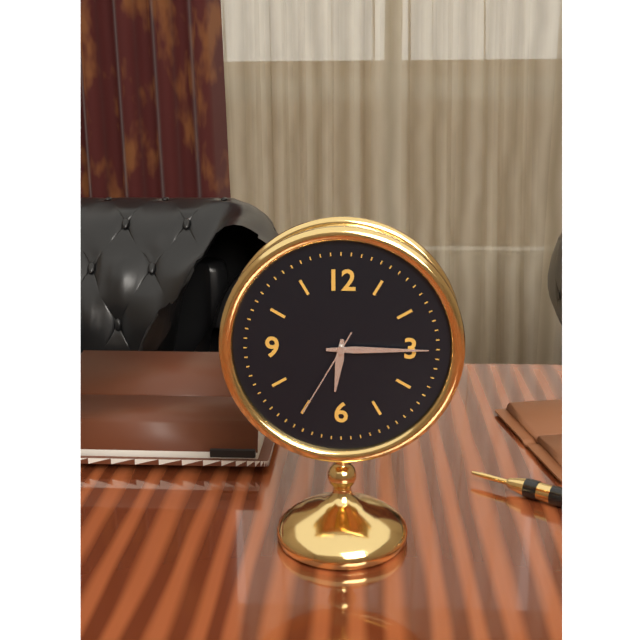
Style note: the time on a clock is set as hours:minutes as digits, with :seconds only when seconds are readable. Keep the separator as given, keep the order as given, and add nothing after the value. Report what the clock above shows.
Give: 6:15:35
